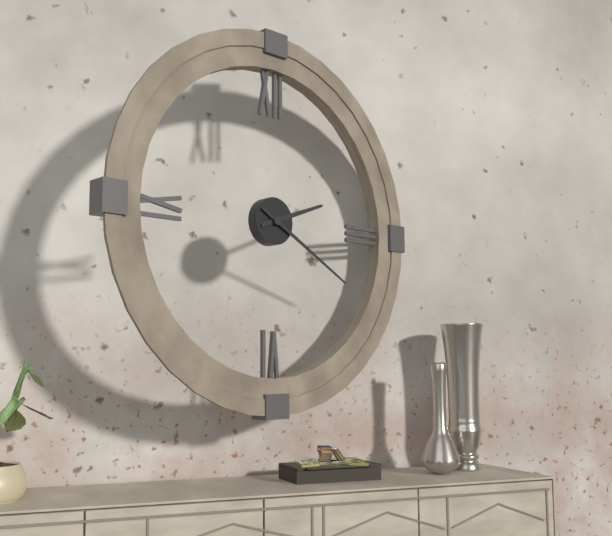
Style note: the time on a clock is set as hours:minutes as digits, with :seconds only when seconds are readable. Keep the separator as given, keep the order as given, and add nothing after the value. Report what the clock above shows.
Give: 2:20
